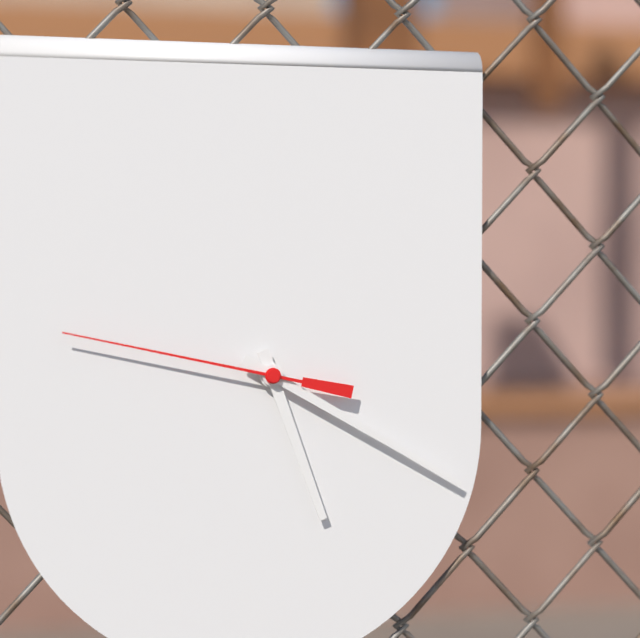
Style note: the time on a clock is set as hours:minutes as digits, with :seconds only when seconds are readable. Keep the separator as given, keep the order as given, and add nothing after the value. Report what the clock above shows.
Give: 5:20:47
